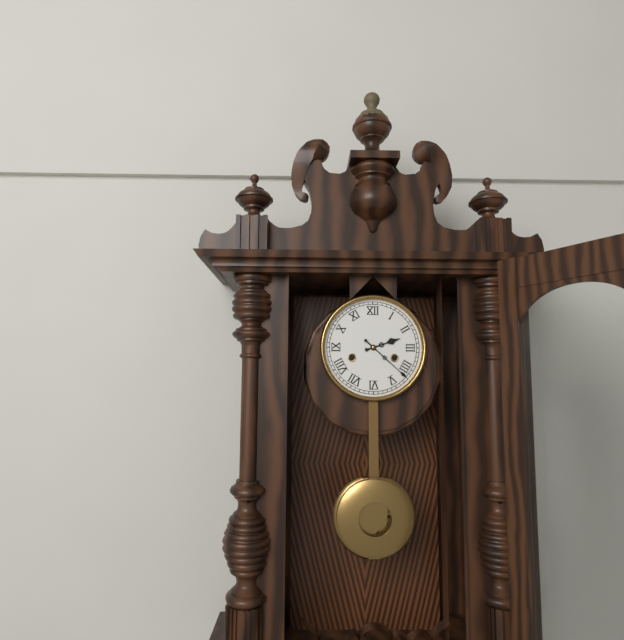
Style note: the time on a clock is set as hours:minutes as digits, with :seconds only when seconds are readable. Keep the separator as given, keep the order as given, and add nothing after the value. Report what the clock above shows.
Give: 2:22
